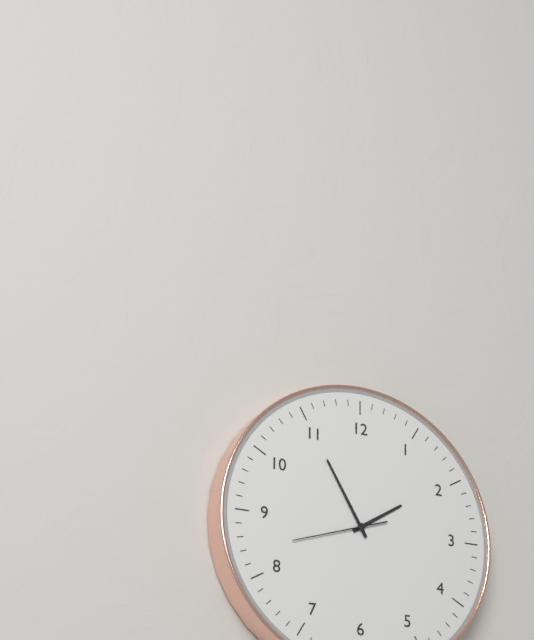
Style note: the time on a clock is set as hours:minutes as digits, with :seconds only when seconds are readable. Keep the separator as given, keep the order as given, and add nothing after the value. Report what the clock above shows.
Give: 1:55:42
